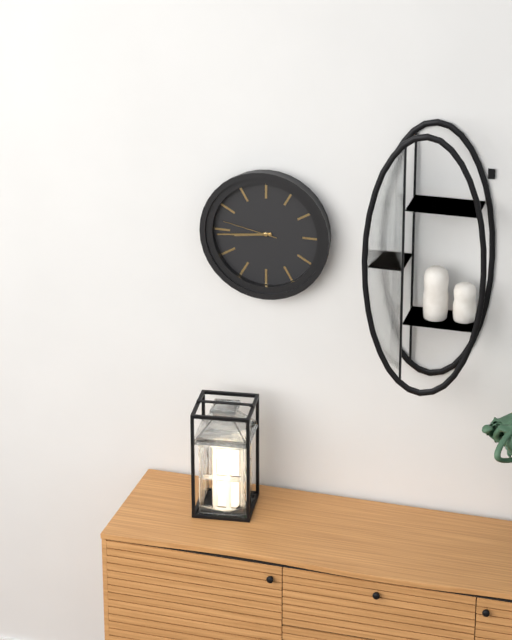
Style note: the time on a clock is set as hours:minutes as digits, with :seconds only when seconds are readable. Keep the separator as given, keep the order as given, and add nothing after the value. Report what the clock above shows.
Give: 8:44:47
